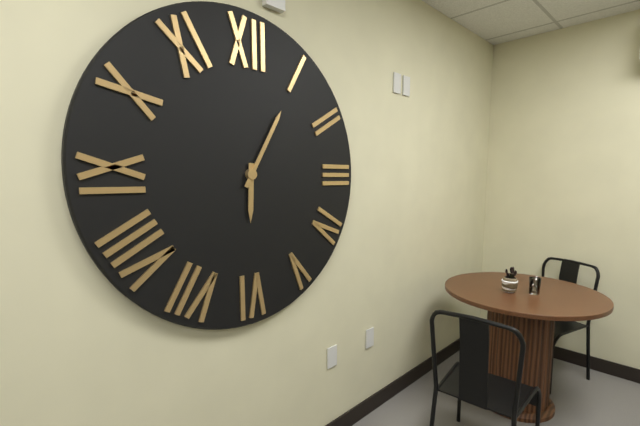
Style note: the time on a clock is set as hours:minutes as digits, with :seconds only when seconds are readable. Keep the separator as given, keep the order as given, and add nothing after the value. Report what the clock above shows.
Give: 6:05
